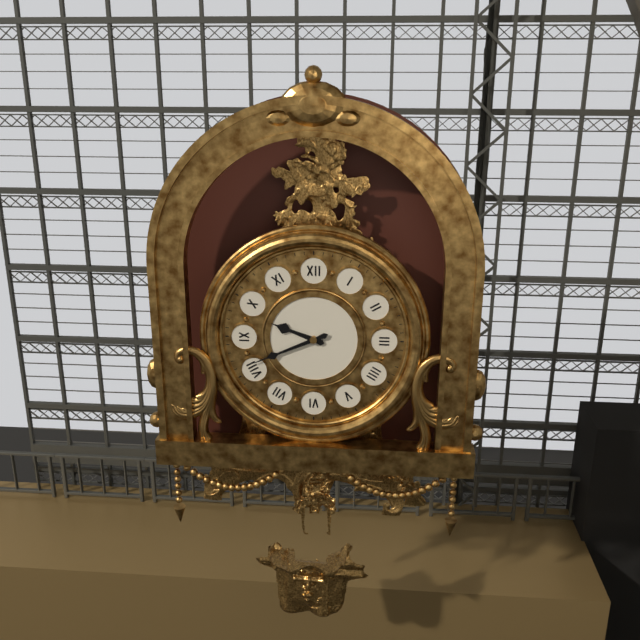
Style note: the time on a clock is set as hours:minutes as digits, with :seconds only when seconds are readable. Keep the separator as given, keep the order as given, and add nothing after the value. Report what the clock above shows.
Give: 9:41
